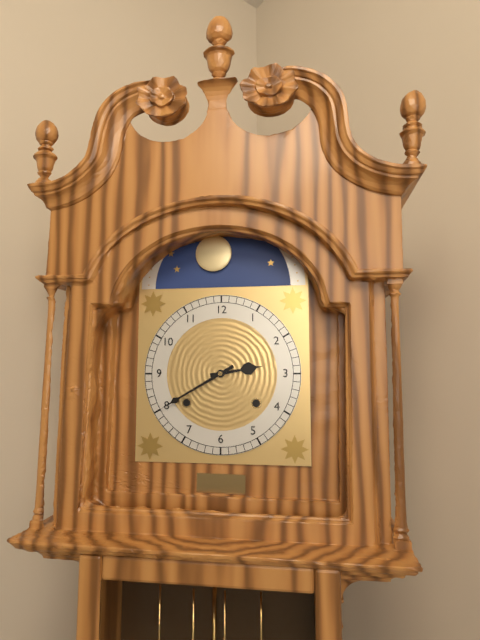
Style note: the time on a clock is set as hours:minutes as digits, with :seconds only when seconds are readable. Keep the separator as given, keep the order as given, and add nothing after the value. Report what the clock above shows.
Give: 2:40
